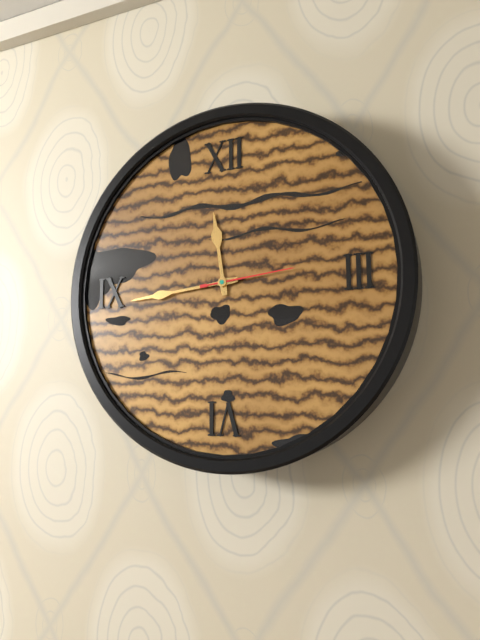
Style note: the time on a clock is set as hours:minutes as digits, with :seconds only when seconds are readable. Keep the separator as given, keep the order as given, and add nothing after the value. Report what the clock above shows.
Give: 11:44:14
